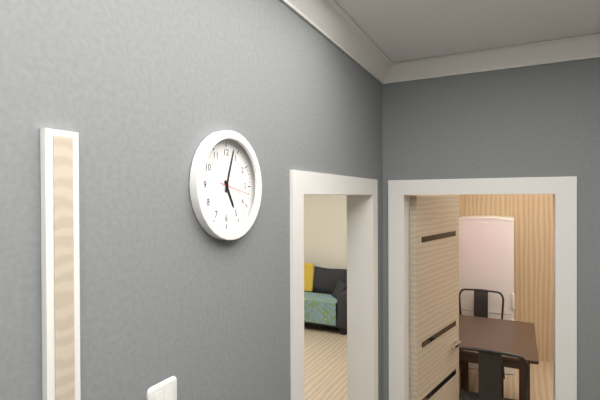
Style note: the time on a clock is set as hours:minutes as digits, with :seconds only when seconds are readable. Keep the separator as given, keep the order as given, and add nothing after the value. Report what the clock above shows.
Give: 5:03
